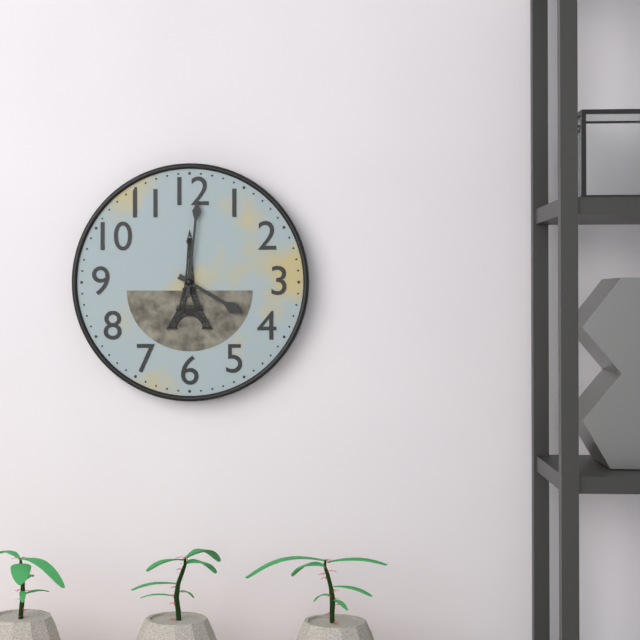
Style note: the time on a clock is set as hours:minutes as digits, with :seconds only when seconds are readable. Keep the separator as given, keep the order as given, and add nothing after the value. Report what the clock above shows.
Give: 4:01
